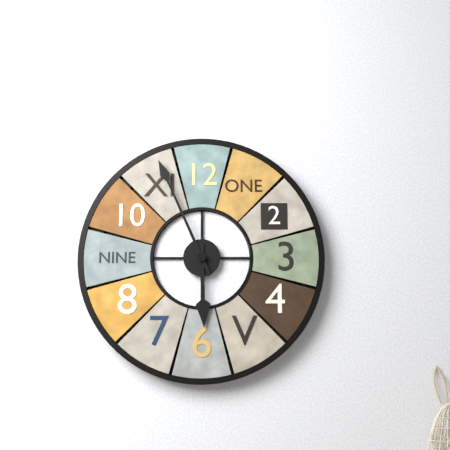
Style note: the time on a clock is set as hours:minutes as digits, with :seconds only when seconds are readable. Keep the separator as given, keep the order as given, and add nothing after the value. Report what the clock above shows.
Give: 5:56
